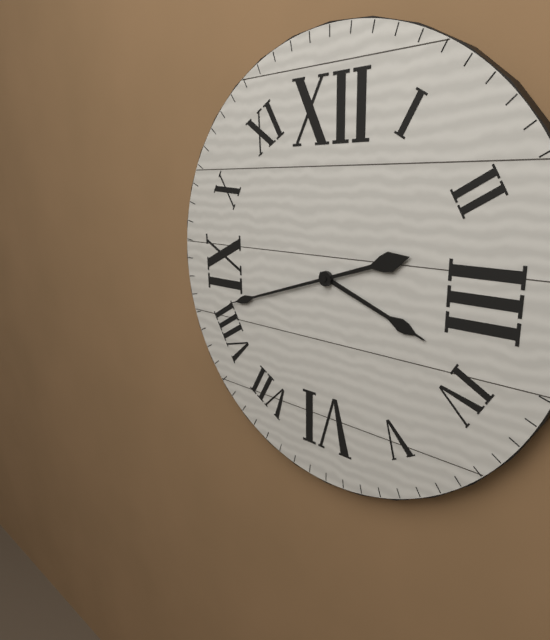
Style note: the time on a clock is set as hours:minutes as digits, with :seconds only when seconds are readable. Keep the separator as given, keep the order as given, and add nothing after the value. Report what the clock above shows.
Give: 3:42
